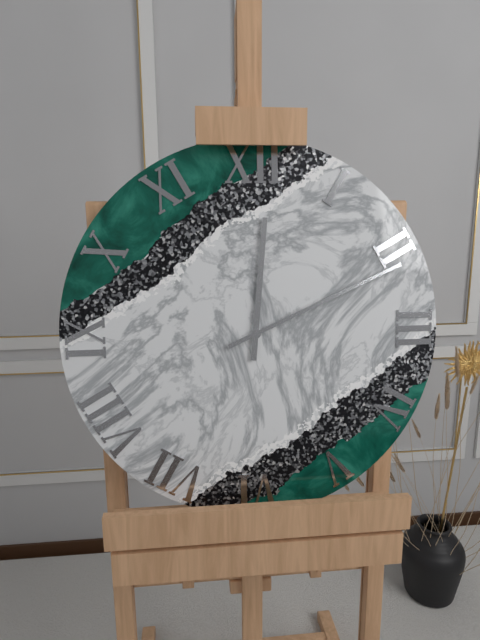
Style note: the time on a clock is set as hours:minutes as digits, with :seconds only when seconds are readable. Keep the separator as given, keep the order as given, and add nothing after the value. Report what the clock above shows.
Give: 12:11
